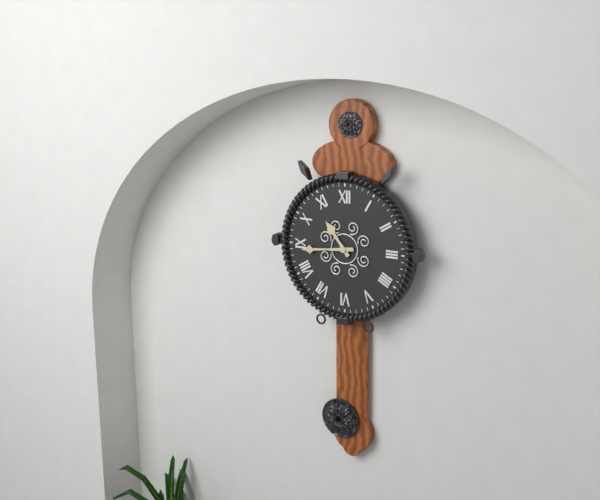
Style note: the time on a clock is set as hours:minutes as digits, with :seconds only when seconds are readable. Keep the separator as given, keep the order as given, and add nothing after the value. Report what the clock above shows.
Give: 10:44
